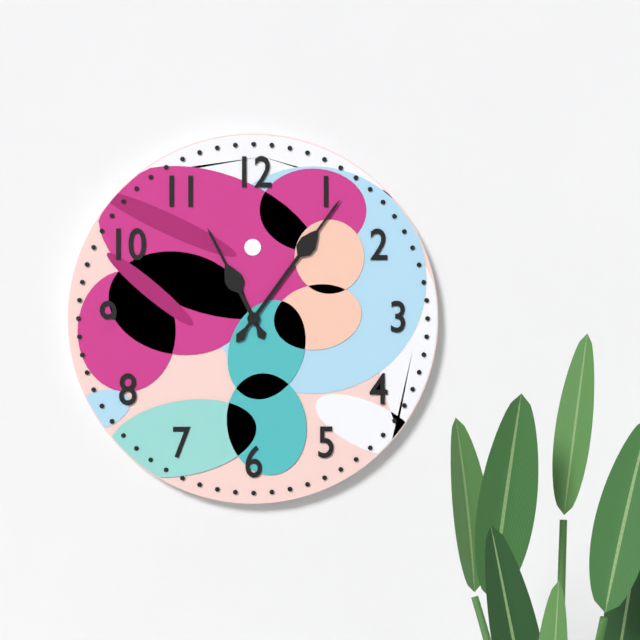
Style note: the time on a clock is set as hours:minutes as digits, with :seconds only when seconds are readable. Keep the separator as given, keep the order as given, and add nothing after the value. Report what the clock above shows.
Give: 11:06
